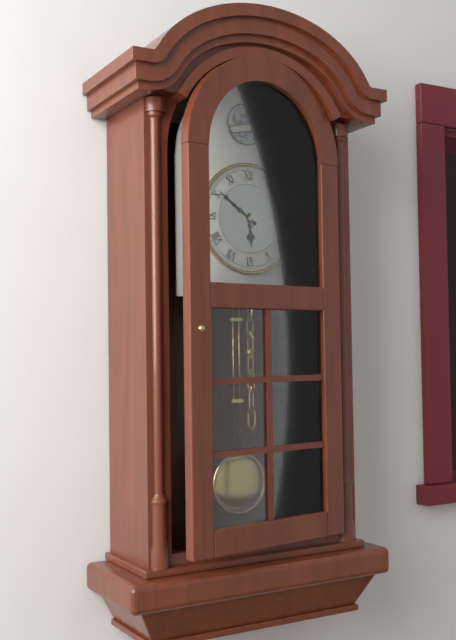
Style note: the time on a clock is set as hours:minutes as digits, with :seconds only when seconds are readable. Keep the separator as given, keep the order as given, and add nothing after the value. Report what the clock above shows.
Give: 5:51
